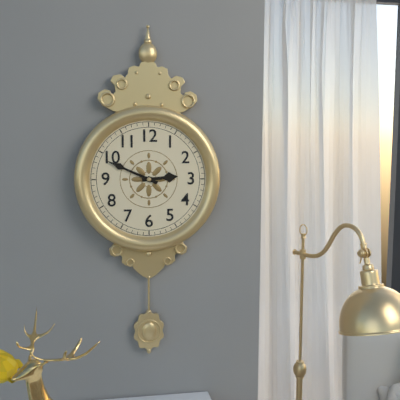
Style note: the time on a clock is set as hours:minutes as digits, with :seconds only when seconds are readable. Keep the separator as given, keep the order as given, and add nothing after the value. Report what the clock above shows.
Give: 2:49
